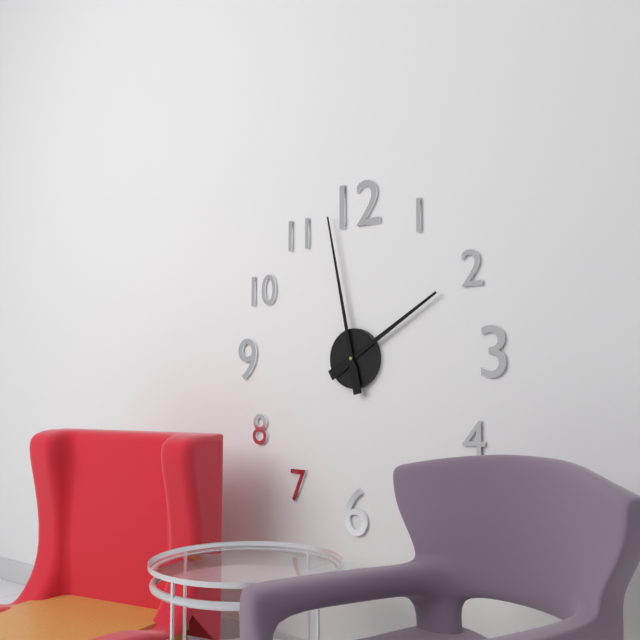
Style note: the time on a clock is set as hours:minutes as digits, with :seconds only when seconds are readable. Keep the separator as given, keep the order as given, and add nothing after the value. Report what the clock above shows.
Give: 1:58
